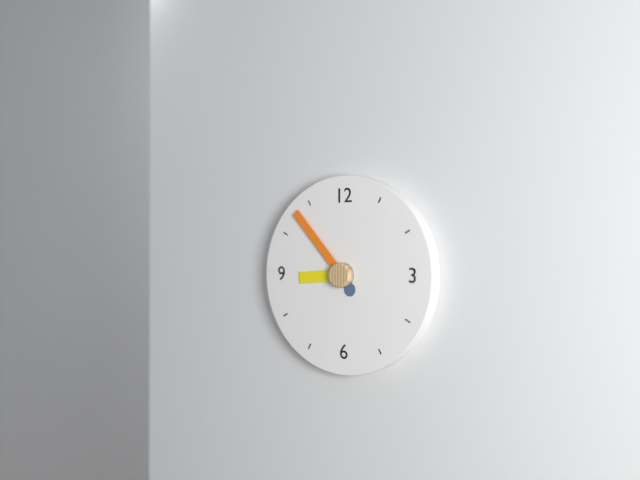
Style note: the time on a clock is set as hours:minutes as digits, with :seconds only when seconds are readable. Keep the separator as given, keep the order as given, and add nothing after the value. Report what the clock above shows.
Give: 8:53
